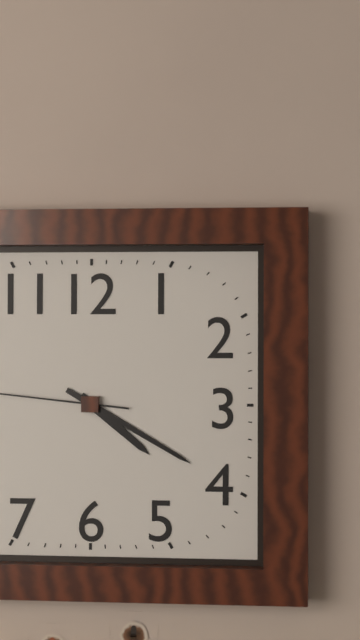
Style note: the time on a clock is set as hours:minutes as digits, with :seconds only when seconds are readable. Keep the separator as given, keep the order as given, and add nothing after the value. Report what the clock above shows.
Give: 4:20
